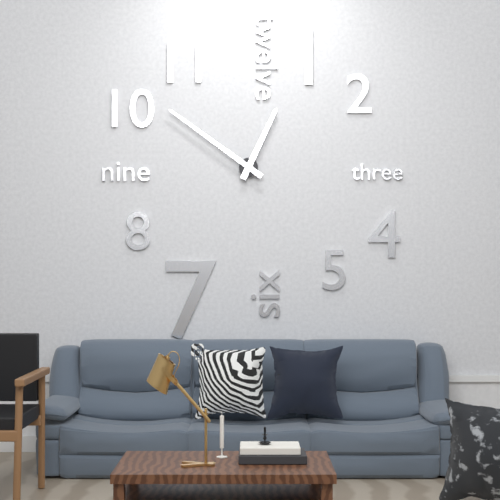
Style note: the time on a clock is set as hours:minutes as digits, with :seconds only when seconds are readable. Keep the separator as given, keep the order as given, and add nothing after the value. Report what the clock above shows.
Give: 12:51
